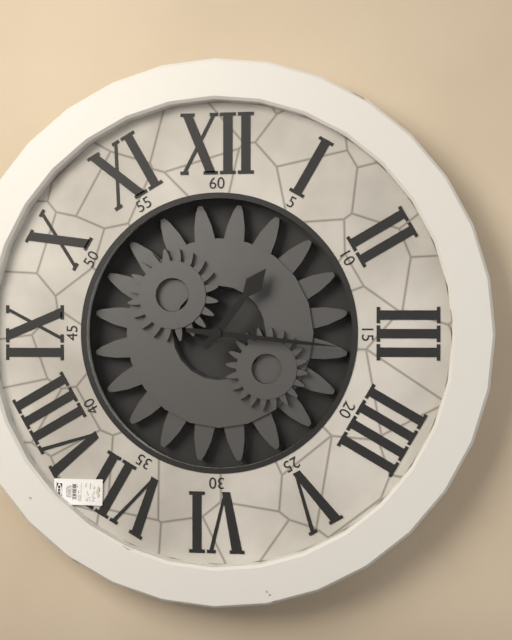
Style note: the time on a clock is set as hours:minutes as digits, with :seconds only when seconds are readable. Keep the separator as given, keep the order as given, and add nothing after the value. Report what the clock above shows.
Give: 1:16
